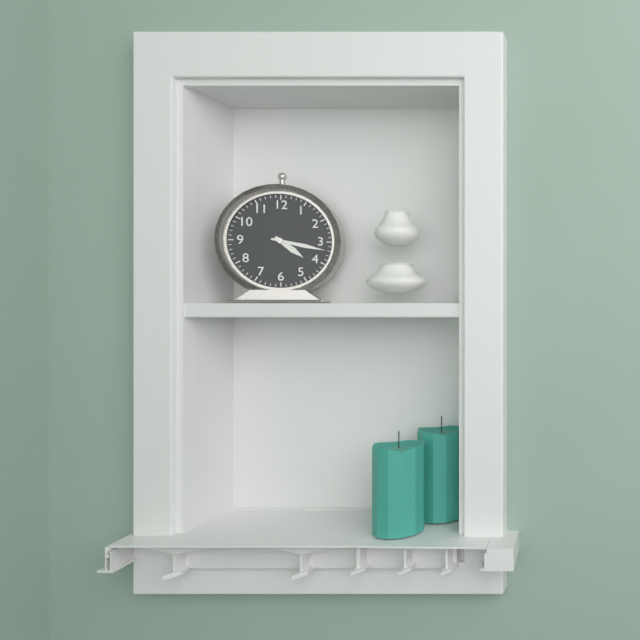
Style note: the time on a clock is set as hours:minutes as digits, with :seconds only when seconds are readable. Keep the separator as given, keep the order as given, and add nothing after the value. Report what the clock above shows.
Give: 4:17
